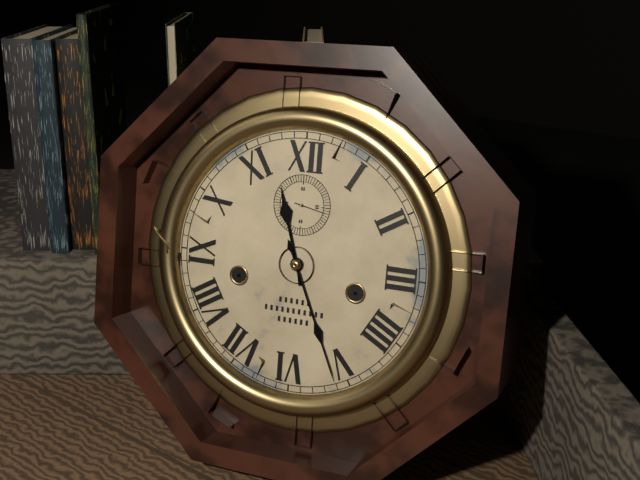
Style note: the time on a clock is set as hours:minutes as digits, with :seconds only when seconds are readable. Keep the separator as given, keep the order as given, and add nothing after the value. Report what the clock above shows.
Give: 11:26
